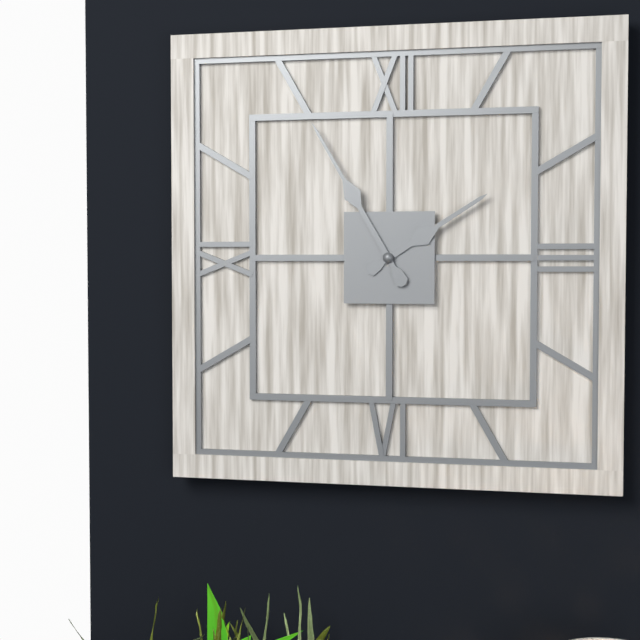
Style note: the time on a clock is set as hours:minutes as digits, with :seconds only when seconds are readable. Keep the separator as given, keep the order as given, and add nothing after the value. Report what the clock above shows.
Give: 1:55
